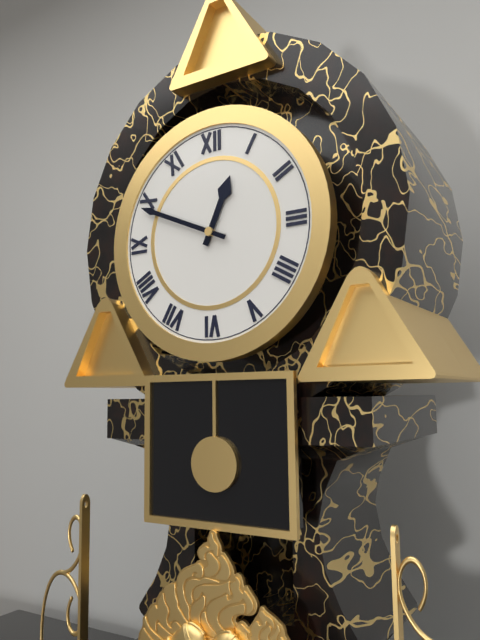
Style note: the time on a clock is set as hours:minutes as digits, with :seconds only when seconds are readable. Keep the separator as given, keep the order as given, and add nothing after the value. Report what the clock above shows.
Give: 12:49
